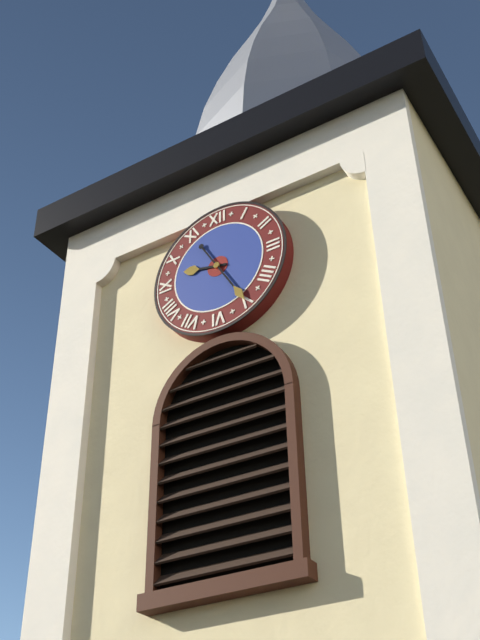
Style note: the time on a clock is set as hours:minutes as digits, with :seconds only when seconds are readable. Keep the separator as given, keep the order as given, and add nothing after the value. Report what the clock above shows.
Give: 9:25
